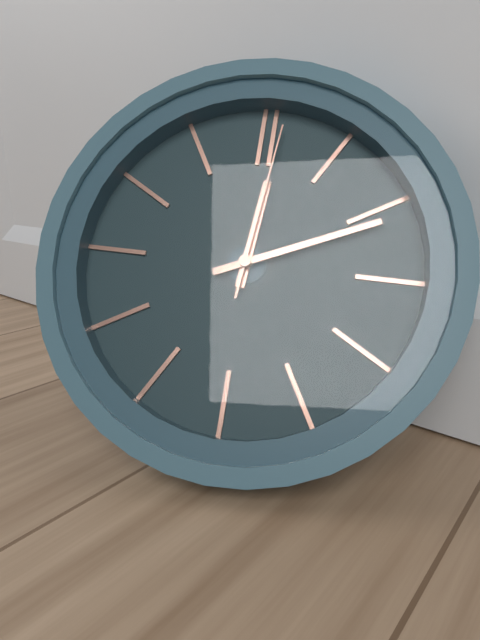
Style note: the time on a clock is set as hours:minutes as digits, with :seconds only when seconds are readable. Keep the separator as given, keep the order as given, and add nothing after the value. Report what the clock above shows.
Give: 12:11:01
